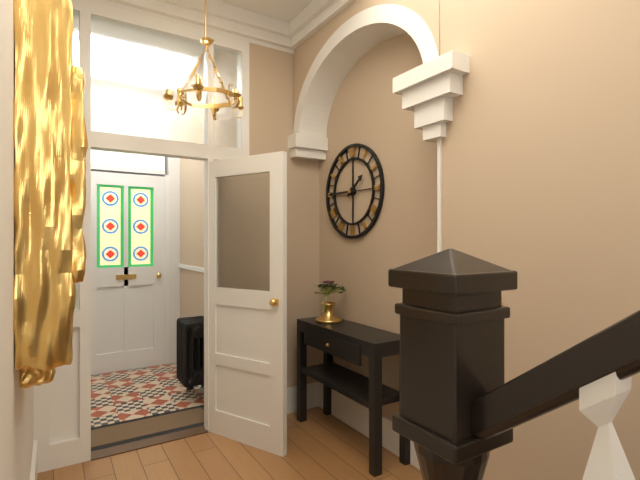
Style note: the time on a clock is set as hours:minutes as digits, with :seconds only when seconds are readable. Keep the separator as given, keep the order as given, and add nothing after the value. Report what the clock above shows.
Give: 1:45
